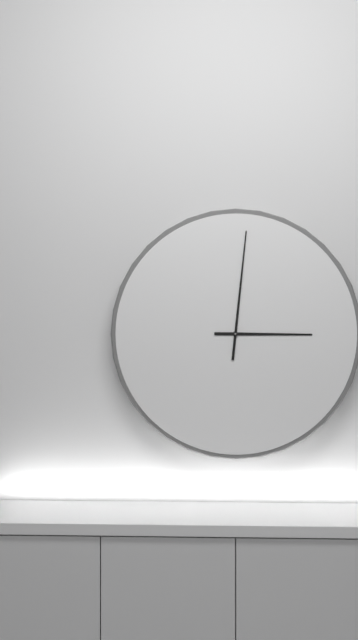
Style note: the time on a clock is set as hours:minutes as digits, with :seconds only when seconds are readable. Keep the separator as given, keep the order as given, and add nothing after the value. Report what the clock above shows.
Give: 3:01
